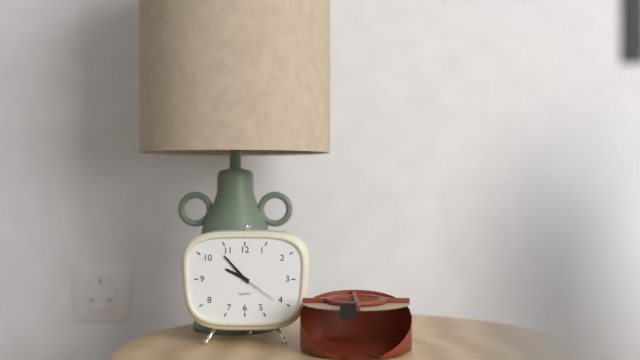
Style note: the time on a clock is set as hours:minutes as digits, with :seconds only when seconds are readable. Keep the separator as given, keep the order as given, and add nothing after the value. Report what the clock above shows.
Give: 9:53
